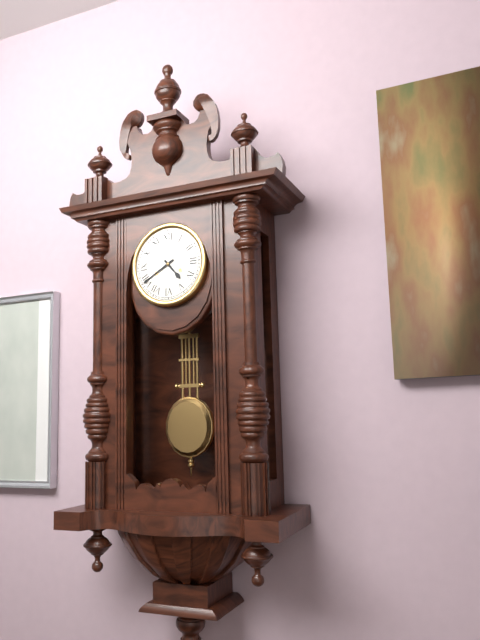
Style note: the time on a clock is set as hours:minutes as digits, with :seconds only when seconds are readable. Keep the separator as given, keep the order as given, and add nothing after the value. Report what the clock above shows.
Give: 4:40
